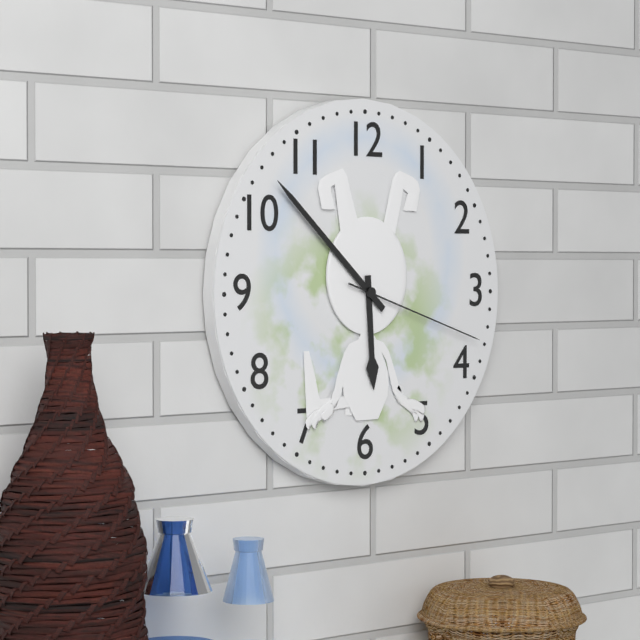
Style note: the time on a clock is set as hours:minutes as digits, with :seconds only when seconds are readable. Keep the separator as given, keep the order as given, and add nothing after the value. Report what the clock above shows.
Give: 5:52:18
